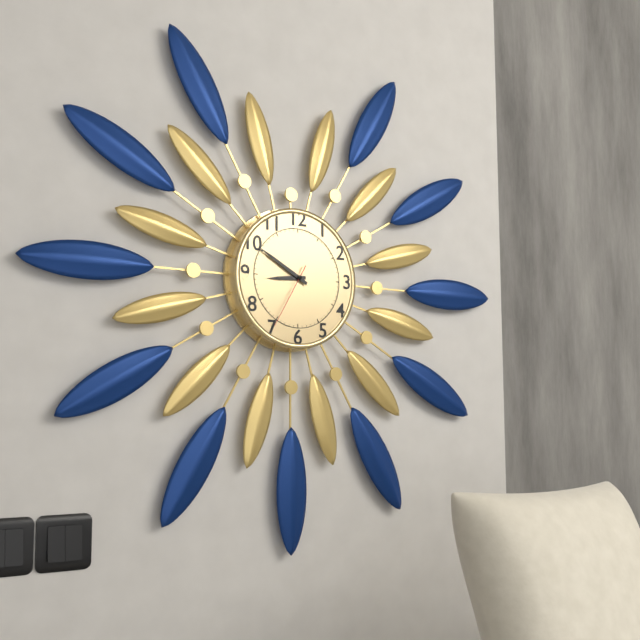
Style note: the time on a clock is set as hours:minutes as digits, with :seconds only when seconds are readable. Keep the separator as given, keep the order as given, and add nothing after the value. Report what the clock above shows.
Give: 8:50:35
